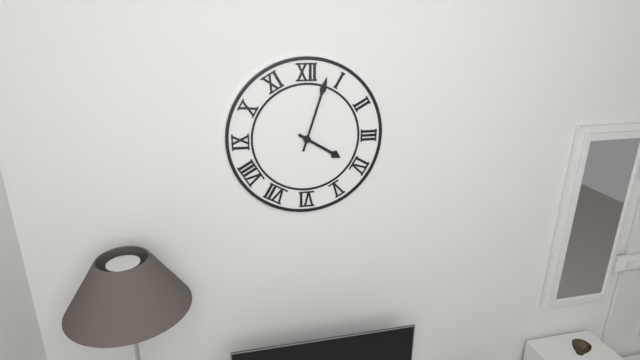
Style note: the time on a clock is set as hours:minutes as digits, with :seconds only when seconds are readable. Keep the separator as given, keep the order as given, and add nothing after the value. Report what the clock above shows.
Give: 4:03
